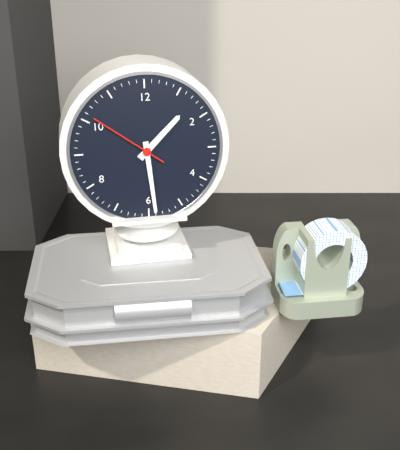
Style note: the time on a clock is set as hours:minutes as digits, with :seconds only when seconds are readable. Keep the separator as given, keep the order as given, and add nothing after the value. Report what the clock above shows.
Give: 1:29:51
